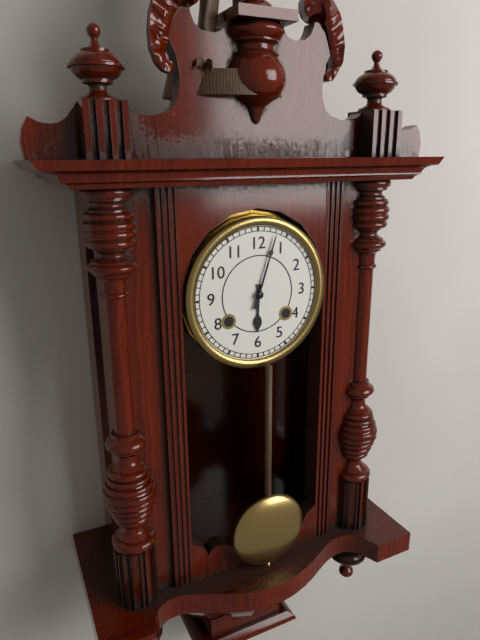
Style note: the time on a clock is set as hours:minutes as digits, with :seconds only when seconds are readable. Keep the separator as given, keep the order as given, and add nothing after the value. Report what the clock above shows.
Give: 6:03
